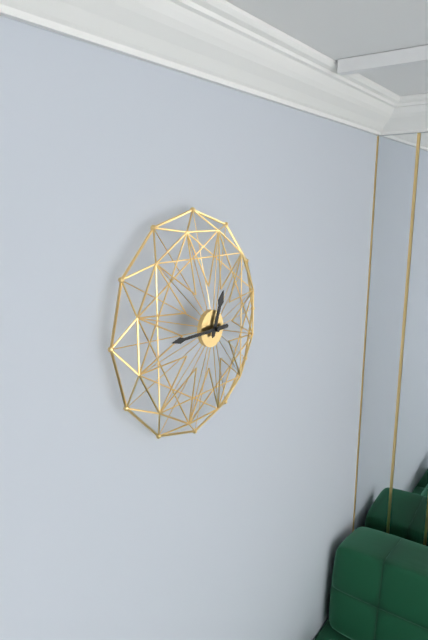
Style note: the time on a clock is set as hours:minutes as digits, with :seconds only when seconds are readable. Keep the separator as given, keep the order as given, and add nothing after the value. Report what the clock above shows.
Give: 12:45
